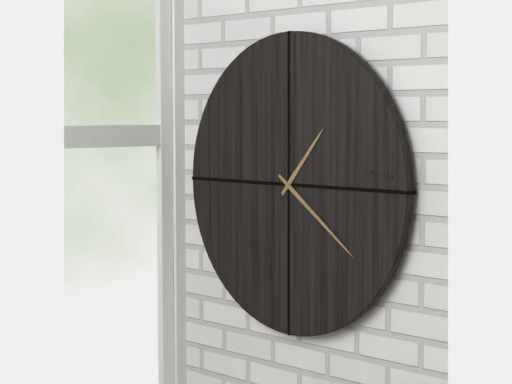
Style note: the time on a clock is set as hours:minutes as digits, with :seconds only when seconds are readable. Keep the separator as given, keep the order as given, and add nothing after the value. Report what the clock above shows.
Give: 1:21
